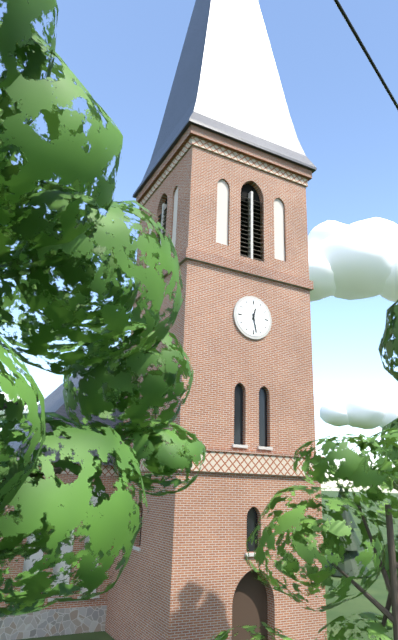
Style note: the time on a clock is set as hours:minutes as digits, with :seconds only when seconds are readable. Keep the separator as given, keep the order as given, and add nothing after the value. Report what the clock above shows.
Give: 12:28
